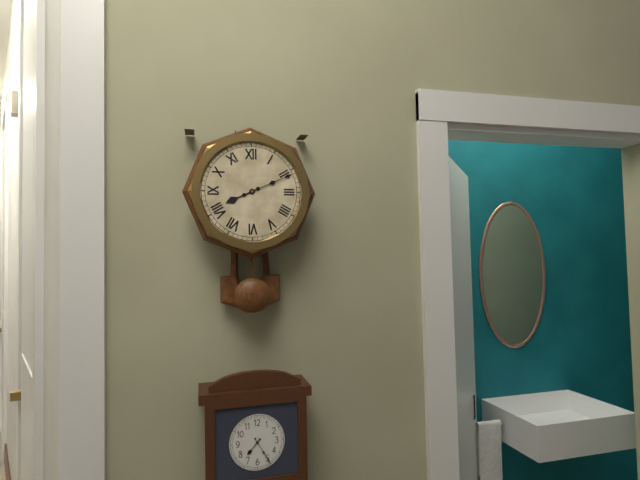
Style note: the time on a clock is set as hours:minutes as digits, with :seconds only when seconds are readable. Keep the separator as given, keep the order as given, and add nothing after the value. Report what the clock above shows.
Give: 8:11
